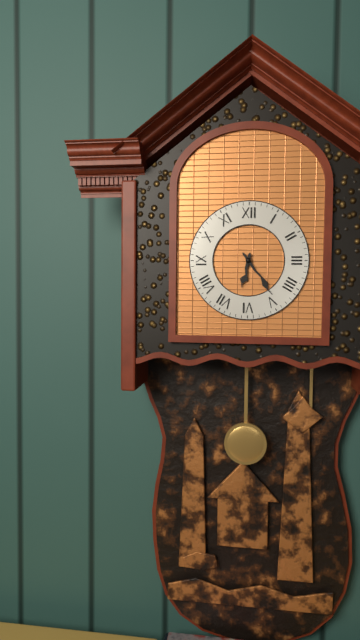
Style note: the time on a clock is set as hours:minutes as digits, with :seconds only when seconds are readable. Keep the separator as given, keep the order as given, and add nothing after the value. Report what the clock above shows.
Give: 6:24
